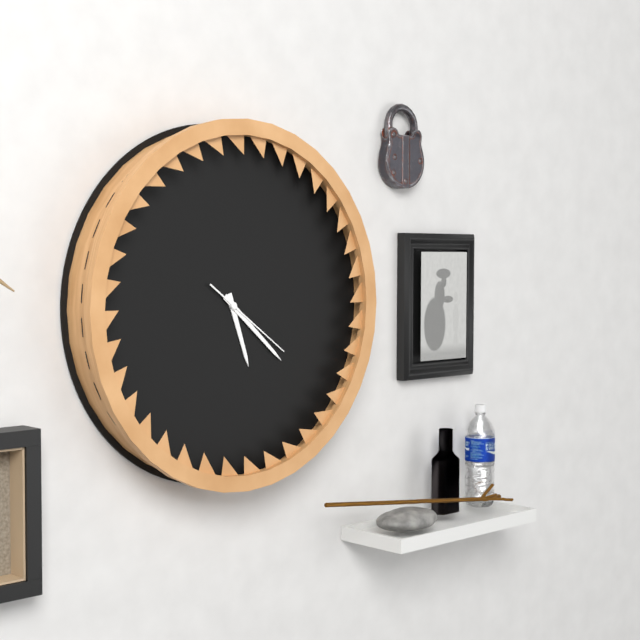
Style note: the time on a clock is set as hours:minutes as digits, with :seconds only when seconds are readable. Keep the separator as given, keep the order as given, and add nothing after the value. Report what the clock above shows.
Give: 5:22:21
